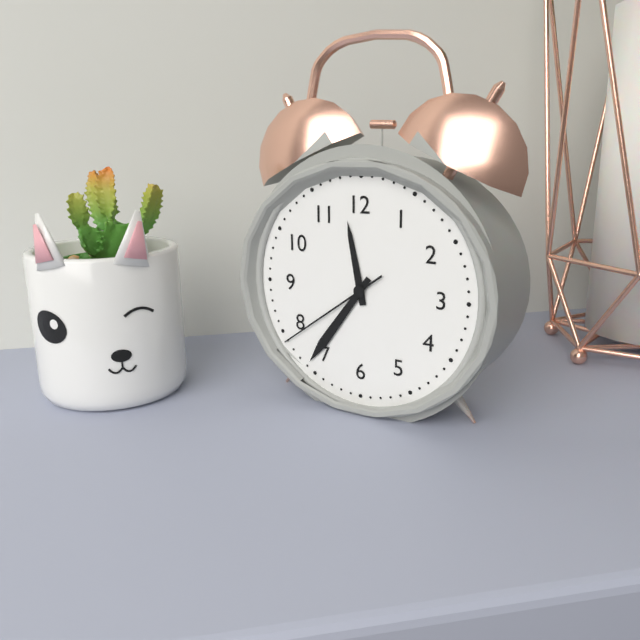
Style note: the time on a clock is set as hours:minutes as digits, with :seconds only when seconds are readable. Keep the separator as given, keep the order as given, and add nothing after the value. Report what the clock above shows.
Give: 11:36:39
